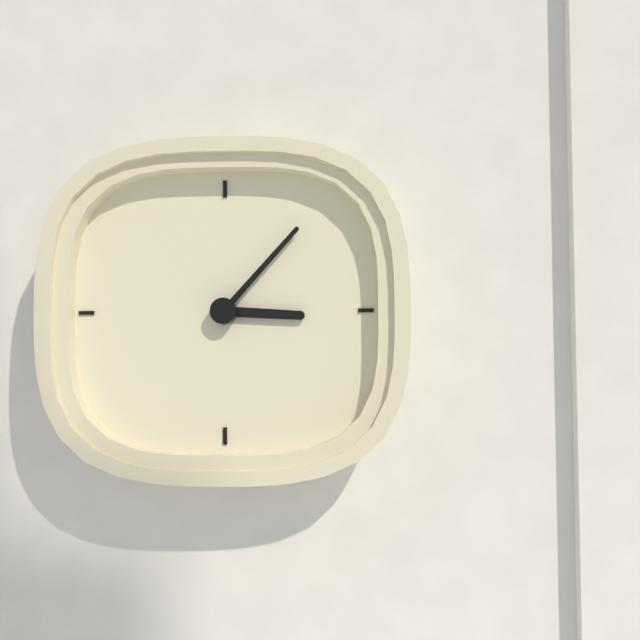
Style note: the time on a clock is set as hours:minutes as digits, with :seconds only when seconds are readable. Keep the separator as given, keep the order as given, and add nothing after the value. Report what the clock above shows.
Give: 3:07
